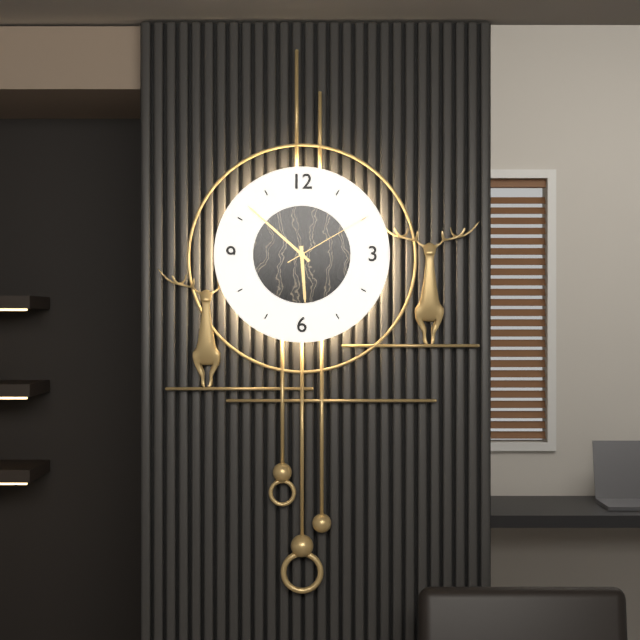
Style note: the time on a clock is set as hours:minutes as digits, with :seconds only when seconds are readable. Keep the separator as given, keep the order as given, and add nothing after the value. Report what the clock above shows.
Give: 5:52:10
